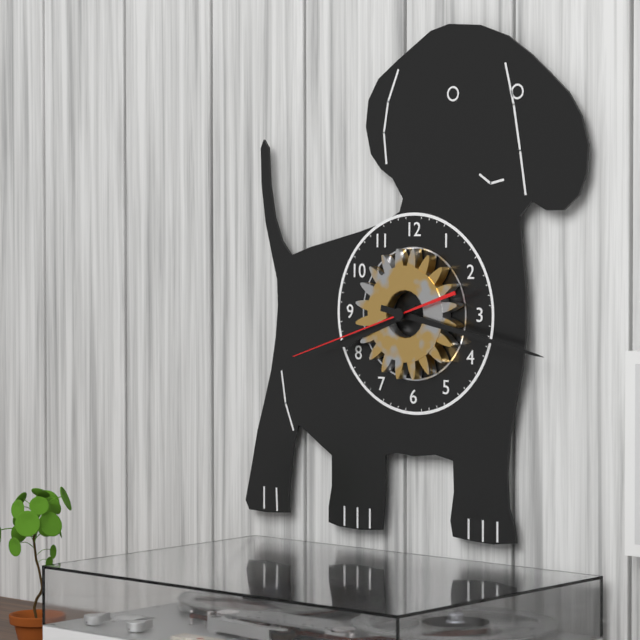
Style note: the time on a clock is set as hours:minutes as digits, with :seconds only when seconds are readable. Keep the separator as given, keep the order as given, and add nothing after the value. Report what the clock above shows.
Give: 8:17:42
